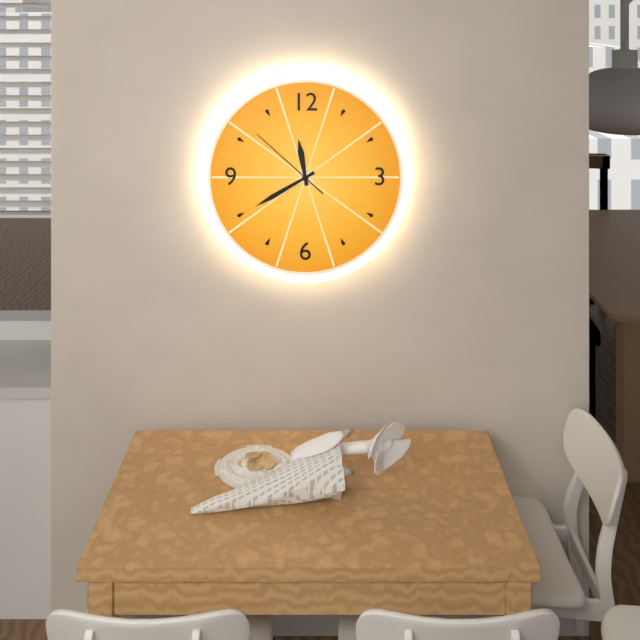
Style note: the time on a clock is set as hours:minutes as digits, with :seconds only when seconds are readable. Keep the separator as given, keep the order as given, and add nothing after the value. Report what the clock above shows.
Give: 11:40:52
